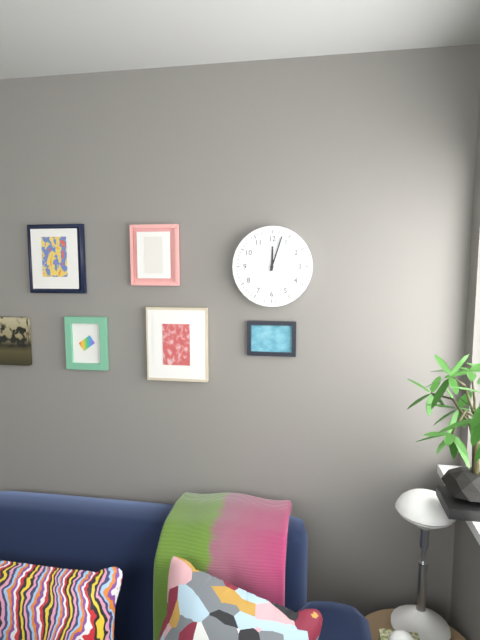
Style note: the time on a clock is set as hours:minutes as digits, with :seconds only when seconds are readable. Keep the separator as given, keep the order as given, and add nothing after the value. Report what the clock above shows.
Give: 12:03
